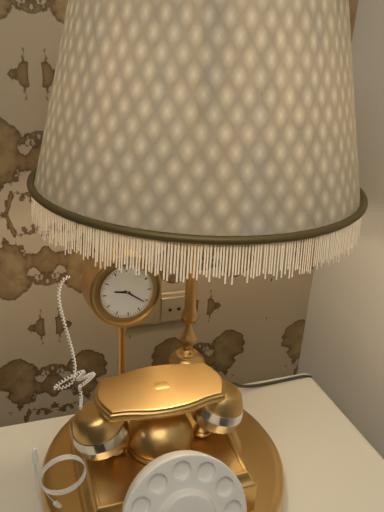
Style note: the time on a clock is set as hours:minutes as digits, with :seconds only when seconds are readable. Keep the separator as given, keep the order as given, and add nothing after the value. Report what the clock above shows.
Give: 9:21
